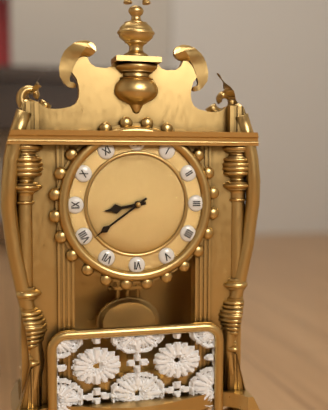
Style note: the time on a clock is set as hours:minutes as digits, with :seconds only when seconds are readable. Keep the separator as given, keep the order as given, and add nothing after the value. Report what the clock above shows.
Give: 8:39
